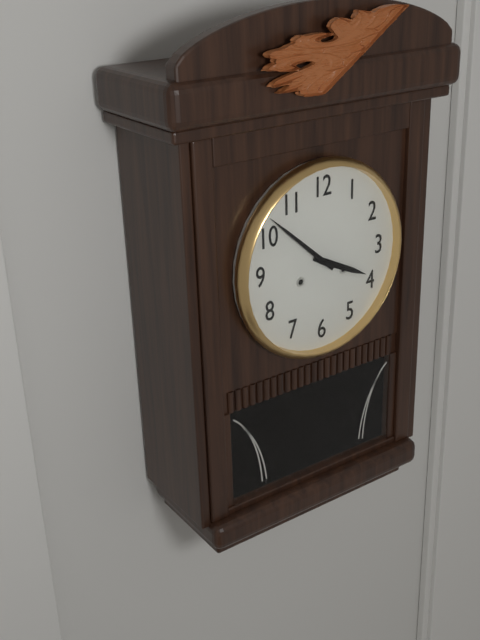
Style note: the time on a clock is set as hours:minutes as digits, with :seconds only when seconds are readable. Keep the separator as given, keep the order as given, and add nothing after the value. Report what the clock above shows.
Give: 3:52
